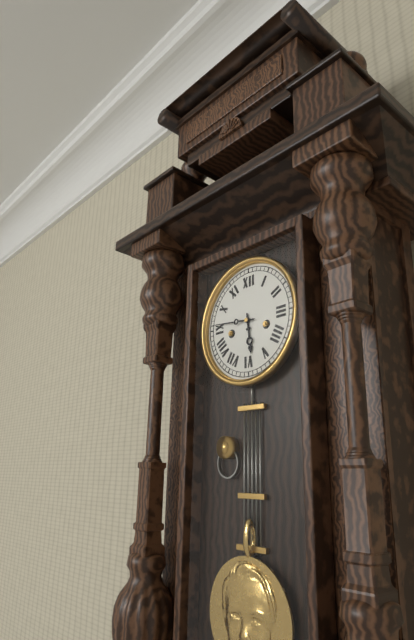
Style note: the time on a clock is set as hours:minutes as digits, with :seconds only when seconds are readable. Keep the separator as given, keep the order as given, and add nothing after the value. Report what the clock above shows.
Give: 5:46
